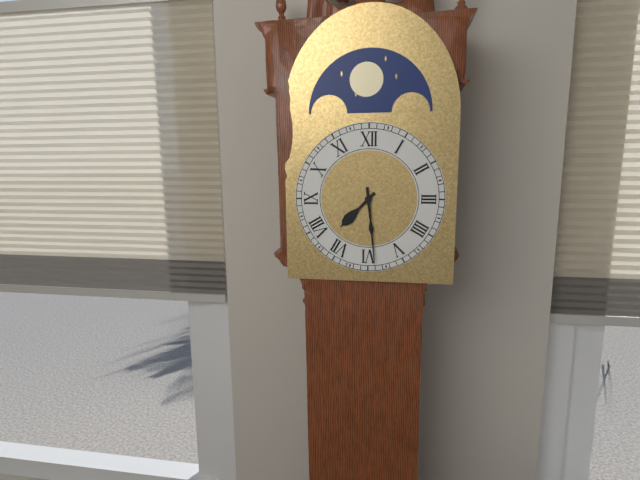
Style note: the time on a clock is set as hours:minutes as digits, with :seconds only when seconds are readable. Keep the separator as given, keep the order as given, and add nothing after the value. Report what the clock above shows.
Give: 7:29
